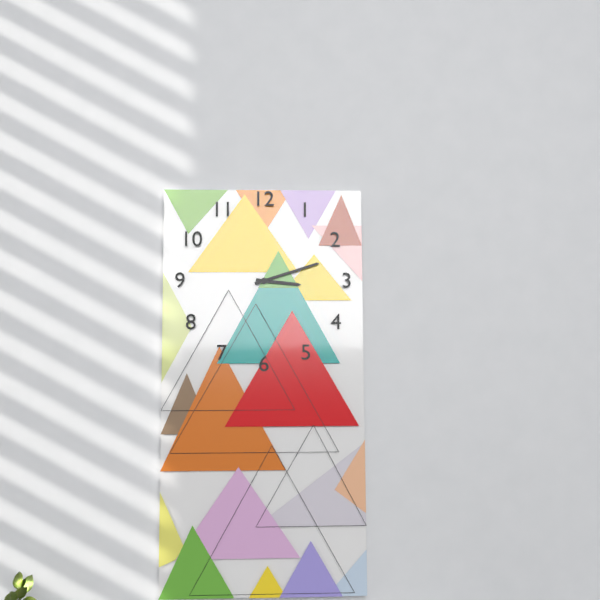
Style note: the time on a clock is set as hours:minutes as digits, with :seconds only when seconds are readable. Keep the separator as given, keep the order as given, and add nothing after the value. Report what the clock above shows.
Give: 3:12
